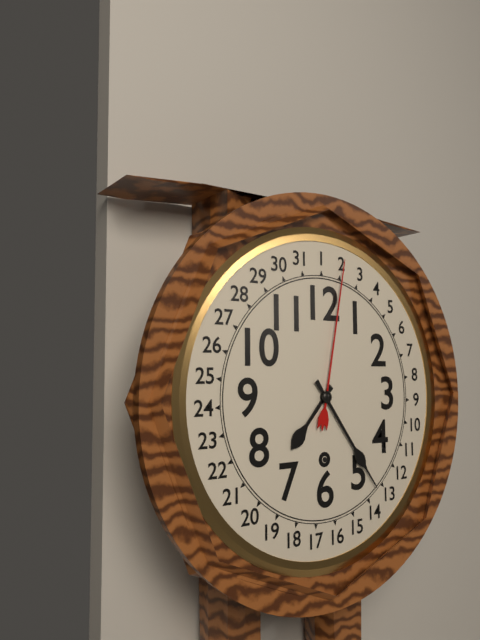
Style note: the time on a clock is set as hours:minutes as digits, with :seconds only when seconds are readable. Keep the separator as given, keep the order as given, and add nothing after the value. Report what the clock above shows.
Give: 7:24
